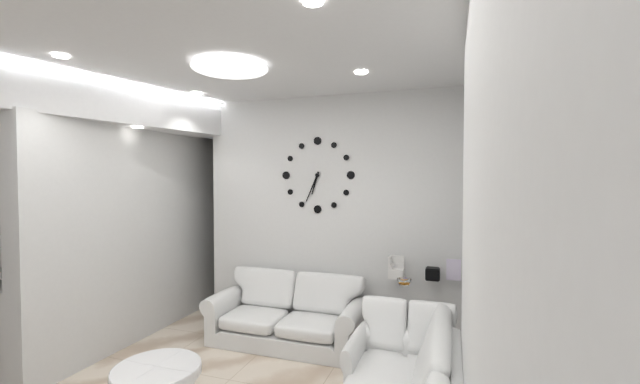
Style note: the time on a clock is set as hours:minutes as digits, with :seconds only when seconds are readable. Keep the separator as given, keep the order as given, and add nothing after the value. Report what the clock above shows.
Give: 6:34
